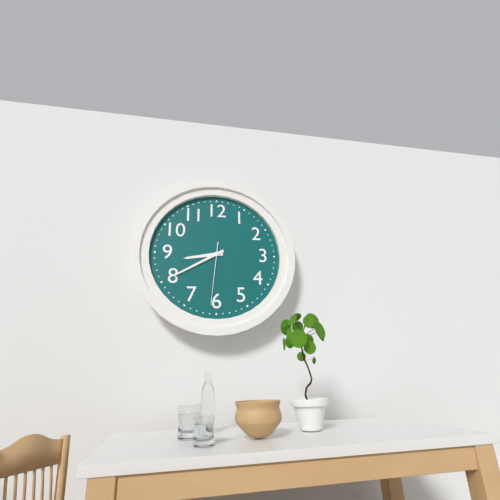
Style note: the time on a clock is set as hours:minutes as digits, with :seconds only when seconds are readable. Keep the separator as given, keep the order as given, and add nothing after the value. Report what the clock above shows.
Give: 8:40:31
